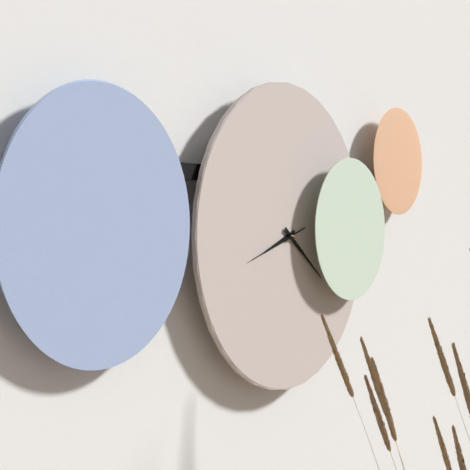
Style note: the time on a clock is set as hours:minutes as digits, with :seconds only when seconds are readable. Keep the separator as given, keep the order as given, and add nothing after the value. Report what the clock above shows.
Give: 8:21:42
